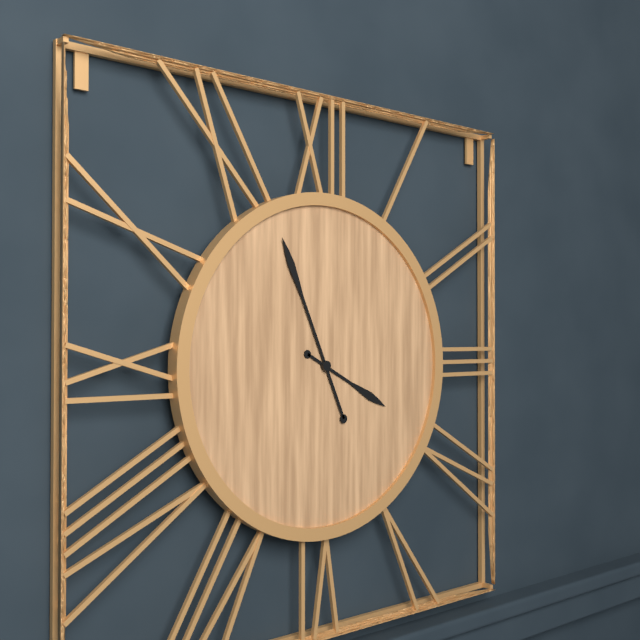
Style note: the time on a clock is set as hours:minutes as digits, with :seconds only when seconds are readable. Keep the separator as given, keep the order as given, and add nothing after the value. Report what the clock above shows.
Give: 3:56
